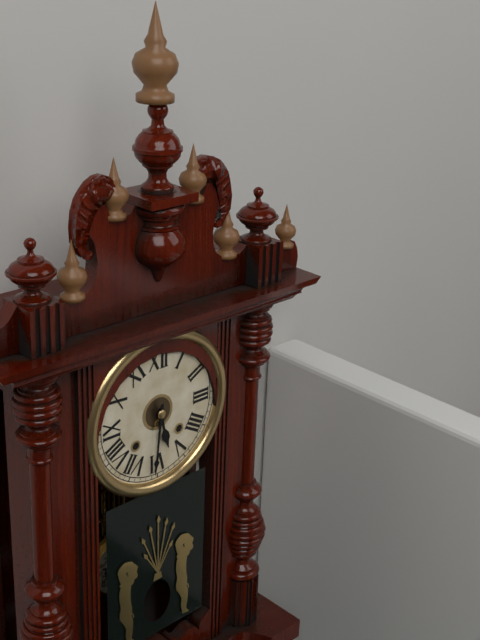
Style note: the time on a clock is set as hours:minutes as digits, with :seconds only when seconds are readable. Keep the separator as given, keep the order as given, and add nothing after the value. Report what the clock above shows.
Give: 5:31
